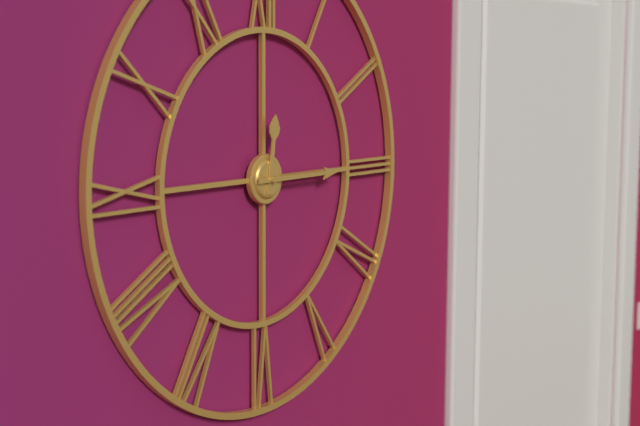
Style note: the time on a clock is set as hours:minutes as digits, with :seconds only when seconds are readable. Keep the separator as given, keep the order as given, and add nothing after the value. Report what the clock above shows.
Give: 12:15
